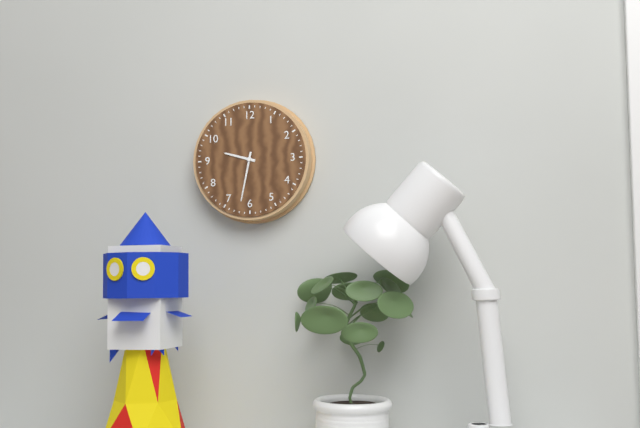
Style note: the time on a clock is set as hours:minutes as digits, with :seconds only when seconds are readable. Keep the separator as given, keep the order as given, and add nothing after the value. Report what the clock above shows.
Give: 9:32
